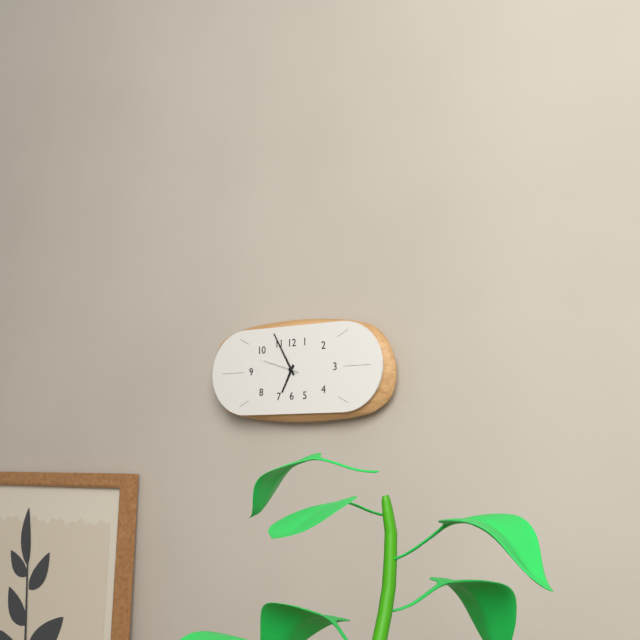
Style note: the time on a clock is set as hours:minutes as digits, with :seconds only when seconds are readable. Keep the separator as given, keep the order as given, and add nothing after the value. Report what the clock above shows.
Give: 6:55
